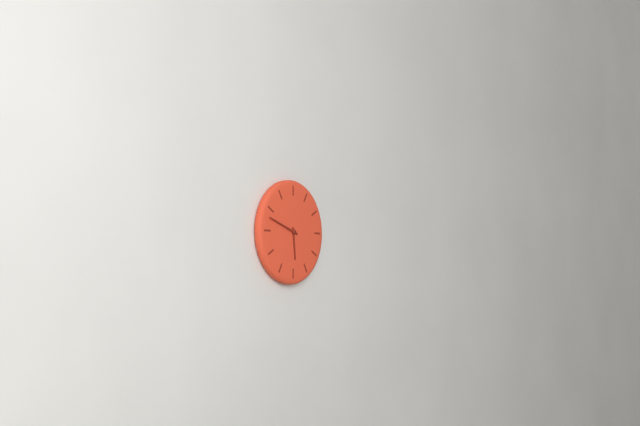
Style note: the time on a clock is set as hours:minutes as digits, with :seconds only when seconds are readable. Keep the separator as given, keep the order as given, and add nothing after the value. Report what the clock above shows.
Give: 5:48
